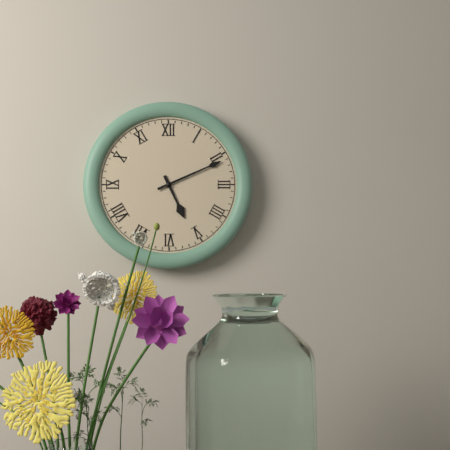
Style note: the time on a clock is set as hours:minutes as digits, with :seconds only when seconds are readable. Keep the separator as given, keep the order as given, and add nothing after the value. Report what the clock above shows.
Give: 5:11
